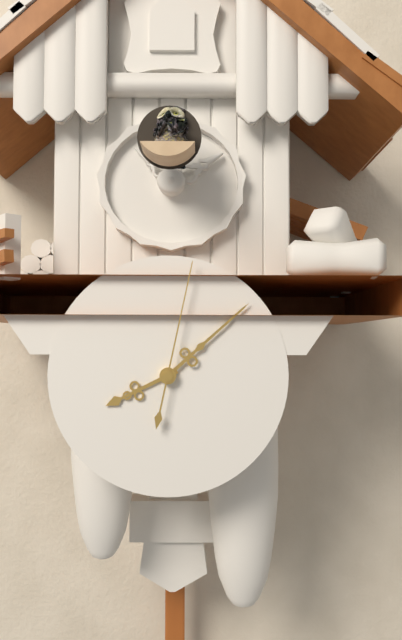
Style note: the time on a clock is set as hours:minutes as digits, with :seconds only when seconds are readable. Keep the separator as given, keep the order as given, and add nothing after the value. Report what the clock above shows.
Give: 8:08:02
